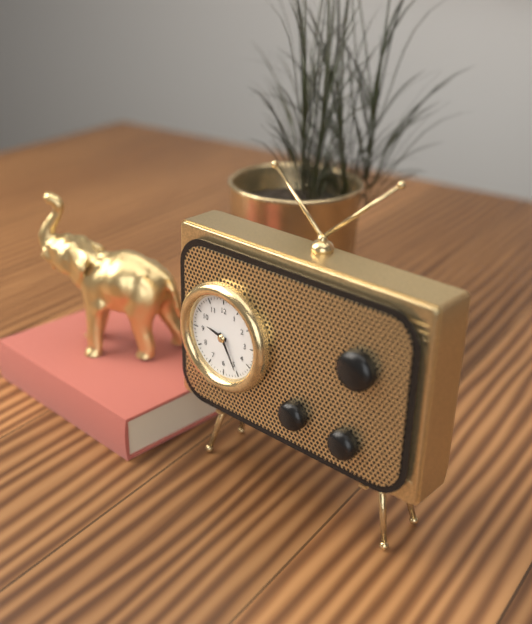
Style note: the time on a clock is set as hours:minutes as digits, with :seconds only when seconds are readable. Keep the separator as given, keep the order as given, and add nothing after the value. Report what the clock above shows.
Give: 9:25
